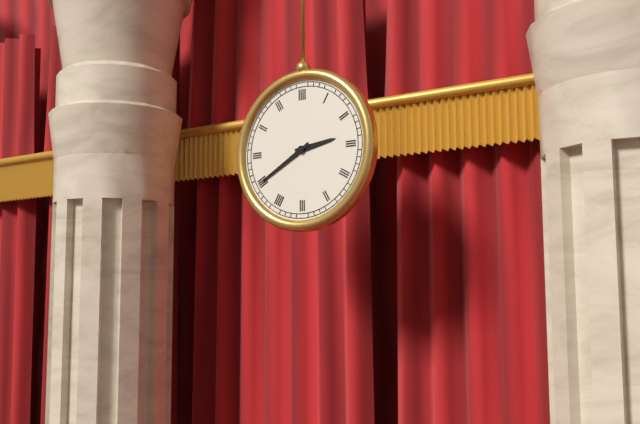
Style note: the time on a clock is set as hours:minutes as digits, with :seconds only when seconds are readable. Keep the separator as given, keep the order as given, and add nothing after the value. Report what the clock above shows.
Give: 2:40
